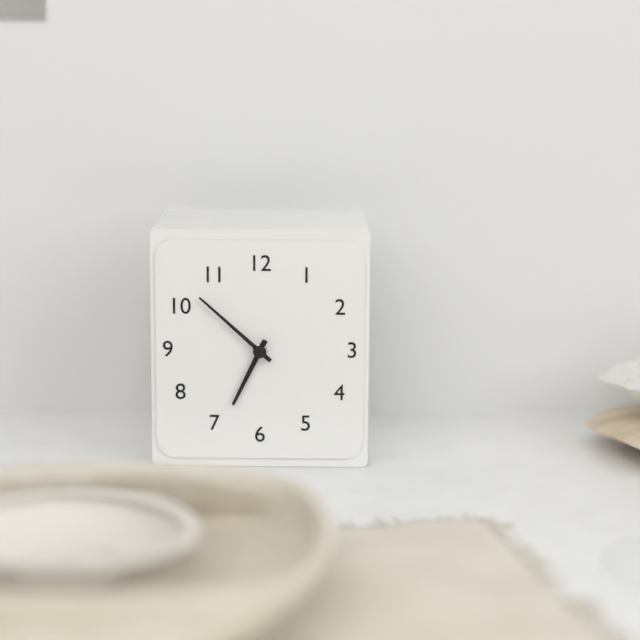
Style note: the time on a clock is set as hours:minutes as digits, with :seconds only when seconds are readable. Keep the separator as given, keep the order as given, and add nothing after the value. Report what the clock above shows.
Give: 6:52
